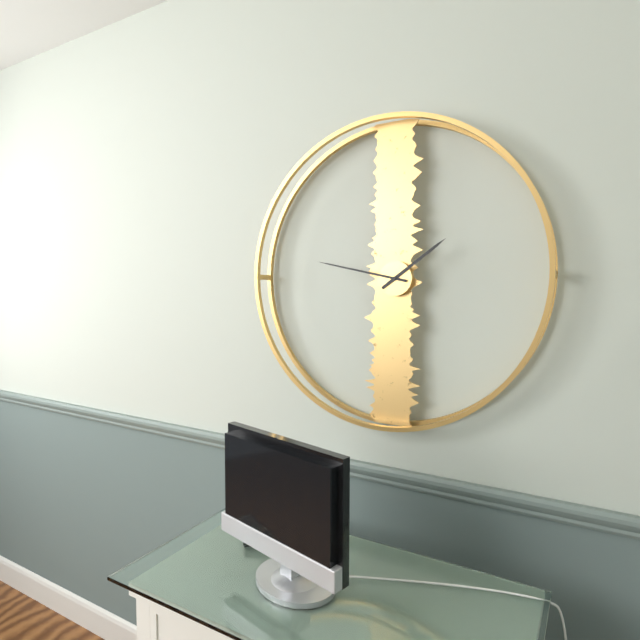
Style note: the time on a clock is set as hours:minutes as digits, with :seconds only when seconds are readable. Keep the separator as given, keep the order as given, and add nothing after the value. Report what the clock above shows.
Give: 1:47
